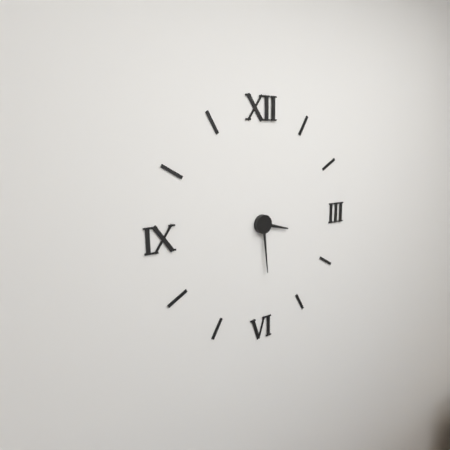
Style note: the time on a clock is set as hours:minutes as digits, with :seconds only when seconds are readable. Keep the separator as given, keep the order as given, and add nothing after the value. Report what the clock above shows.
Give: 3:29
